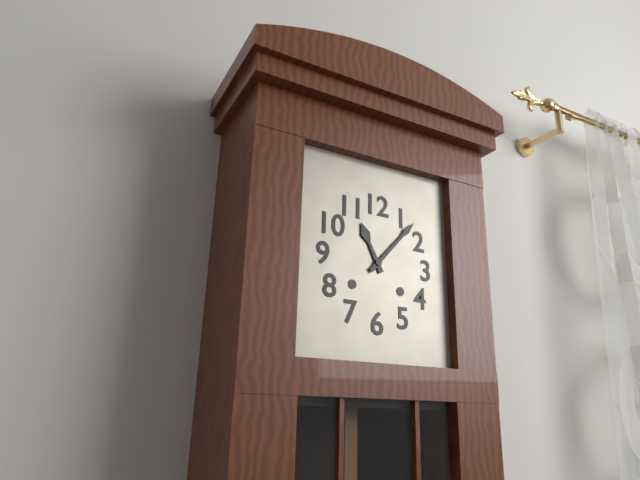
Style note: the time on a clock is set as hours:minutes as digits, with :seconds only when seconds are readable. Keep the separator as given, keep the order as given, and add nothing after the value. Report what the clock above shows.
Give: 11:07
